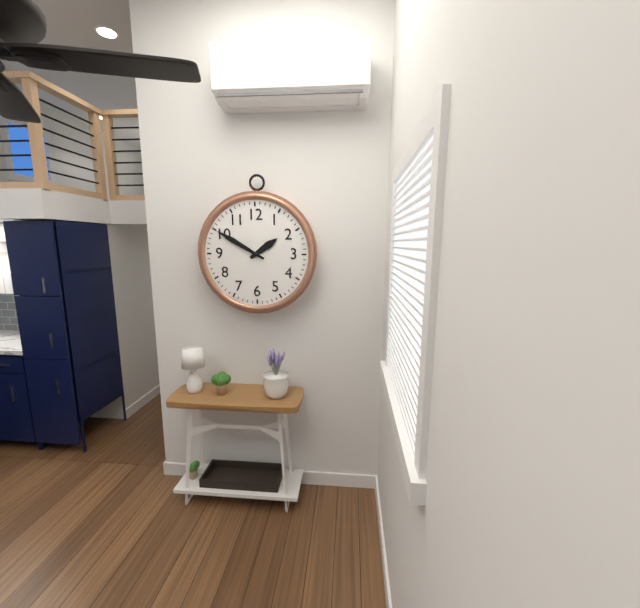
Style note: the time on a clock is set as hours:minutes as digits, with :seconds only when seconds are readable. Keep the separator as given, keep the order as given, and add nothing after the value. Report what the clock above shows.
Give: 1:50
